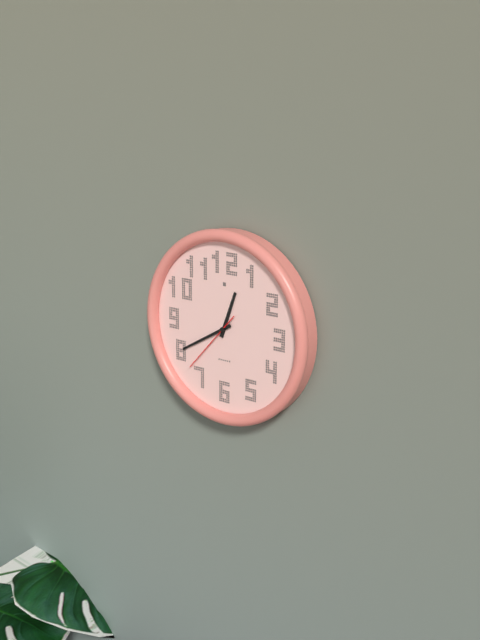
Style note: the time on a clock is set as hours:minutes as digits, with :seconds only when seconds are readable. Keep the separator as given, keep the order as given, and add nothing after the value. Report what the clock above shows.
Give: 12:40:37
